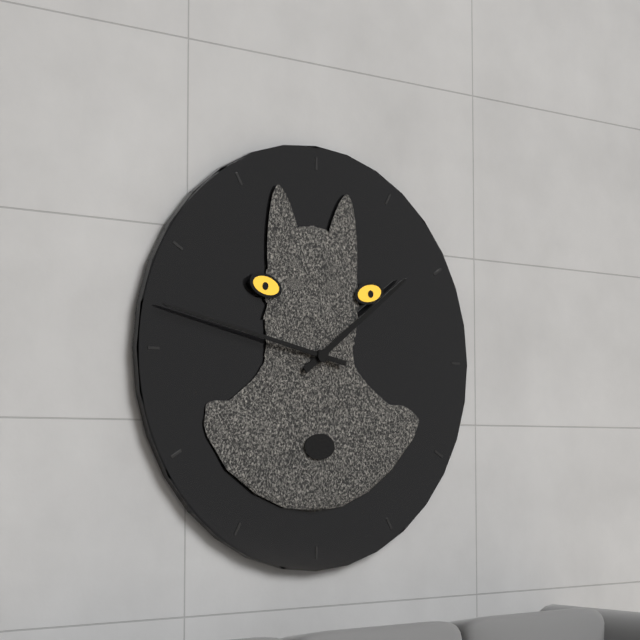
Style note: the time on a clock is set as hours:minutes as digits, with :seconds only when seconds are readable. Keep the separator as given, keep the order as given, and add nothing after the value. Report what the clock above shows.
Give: 1:47
